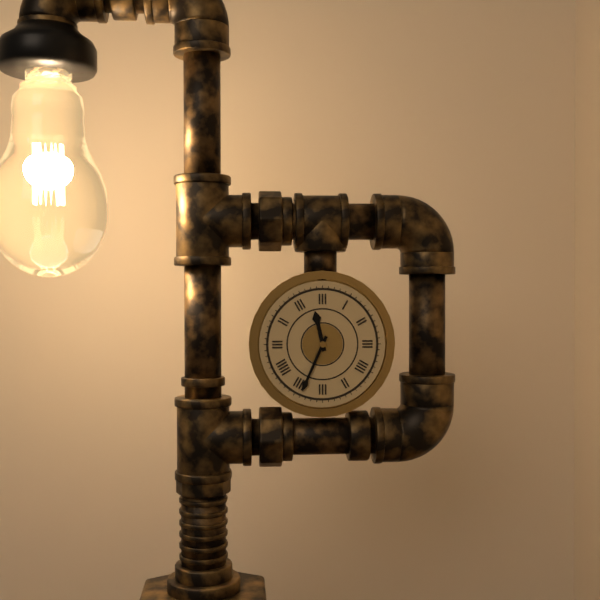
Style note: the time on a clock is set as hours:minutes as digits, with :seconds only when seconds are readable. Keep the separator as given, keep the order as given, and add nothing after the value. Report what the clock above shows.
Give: 11:34
